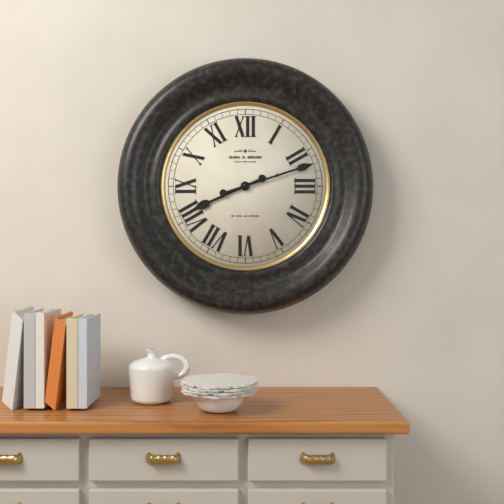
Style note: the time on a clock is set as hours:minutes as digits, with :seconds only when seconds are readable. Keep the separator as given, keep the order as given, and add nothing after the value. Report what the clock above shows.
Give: 8:12
